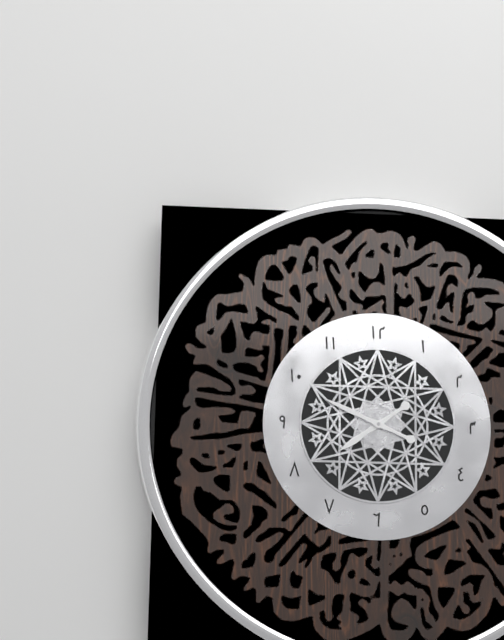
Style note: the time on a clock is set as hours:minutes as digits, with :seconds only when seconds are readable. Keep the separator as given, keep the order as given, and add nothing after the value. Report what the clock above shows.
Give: 7:49
